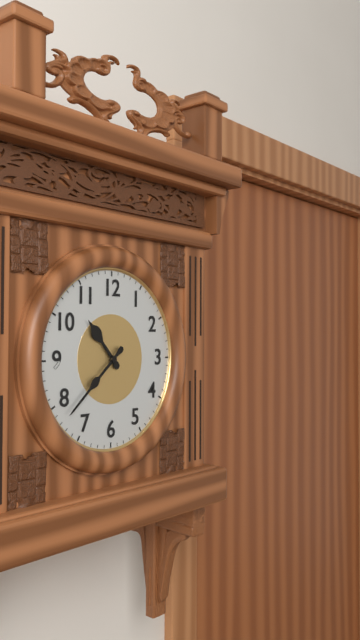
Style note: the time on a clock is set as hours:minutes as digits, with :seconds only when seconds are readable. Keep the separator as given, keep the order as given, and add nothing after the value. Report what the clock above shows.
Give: 10:38
